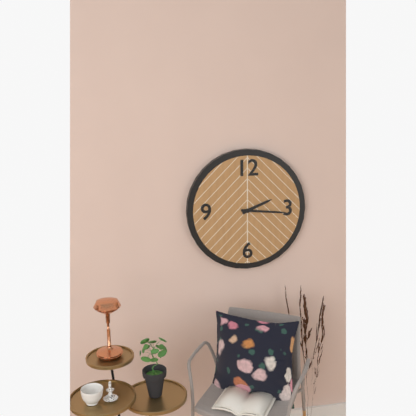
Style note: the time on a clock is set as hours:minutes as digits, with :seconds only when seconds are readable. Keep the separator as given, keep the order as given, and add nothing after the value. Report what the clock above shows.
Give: 2:16
